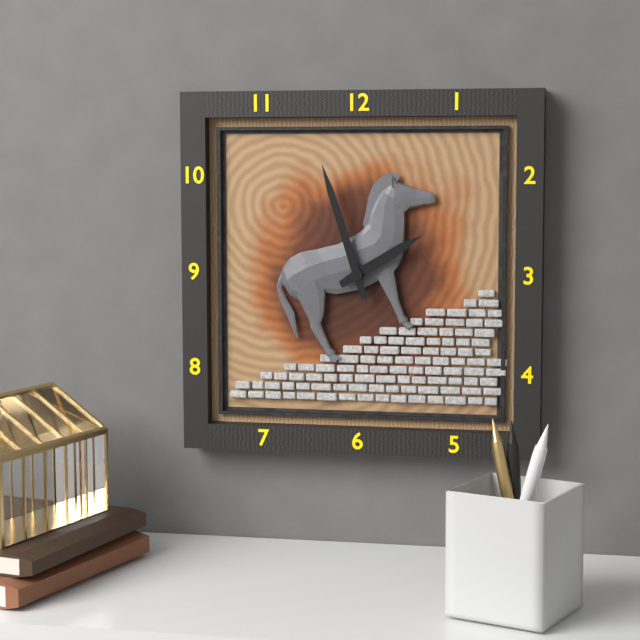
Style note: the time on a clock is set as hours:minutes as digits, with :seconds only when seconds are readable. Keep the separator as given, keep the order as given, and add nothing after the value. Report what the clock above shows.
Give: 1:57
